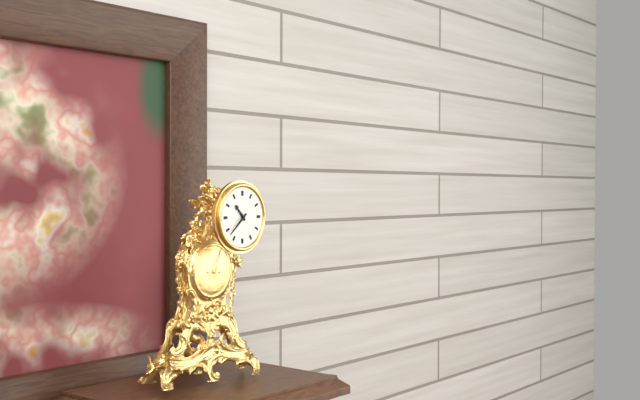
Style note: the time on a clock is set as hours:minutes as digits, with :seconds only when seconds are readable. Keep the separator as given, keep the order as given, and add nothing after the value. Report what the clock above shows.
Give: 10:38
